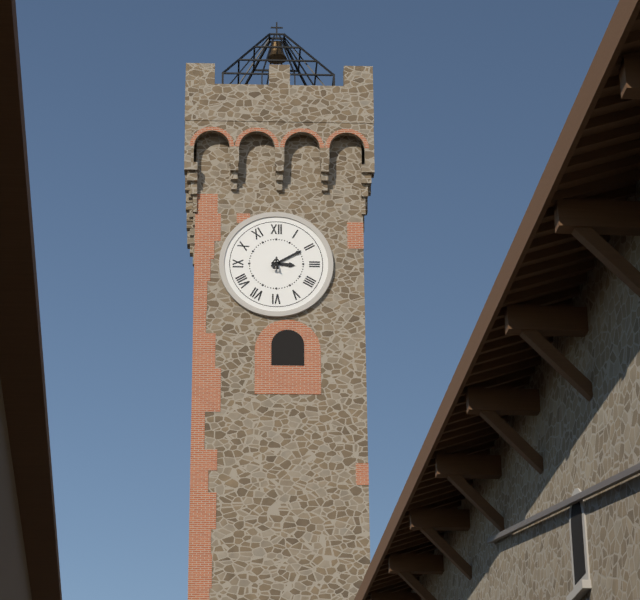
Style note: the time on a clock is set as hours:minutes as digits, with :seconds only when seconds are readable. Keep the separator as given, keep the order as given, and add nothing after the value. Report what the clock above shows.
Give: 3:10
